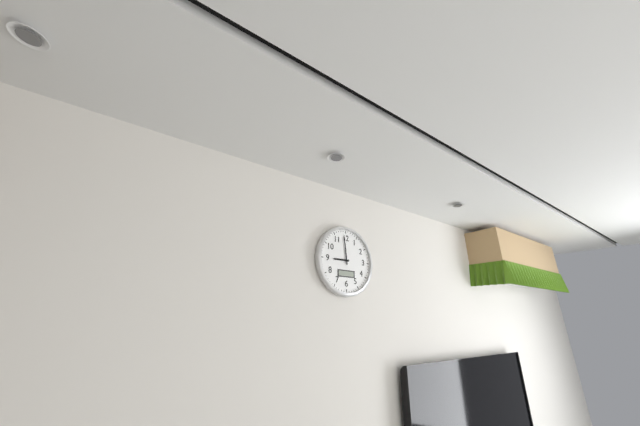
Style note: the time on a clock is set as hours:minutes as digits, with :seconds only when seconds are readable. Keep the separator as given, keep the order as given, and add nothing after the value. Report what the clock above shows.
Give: 8:59
